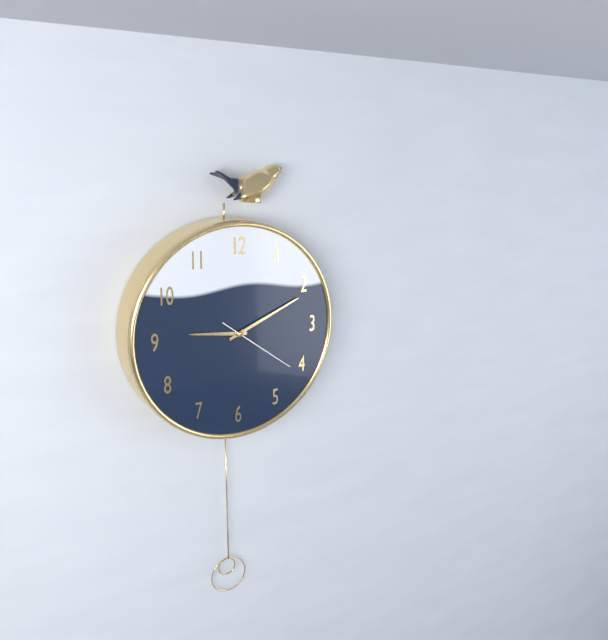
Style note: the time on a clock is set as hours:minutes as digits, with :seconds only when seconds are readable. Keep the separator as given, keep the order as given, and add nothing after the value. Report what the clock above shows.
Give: 9:11:21
